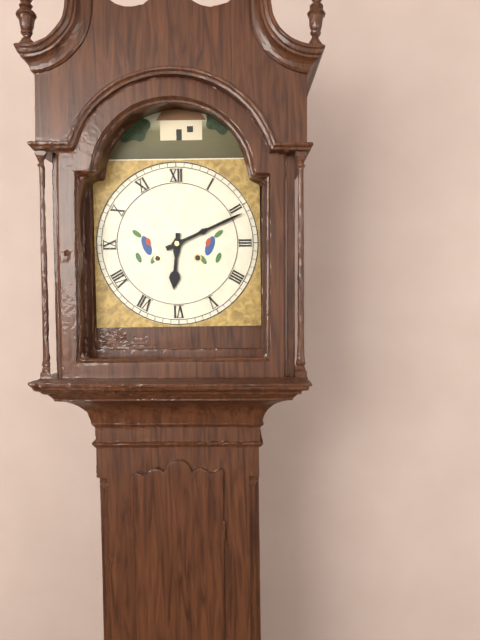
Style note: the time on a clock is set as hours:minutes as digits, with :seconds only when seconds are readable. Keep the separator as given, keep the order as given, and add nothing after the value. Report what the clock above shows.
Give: 6:11
